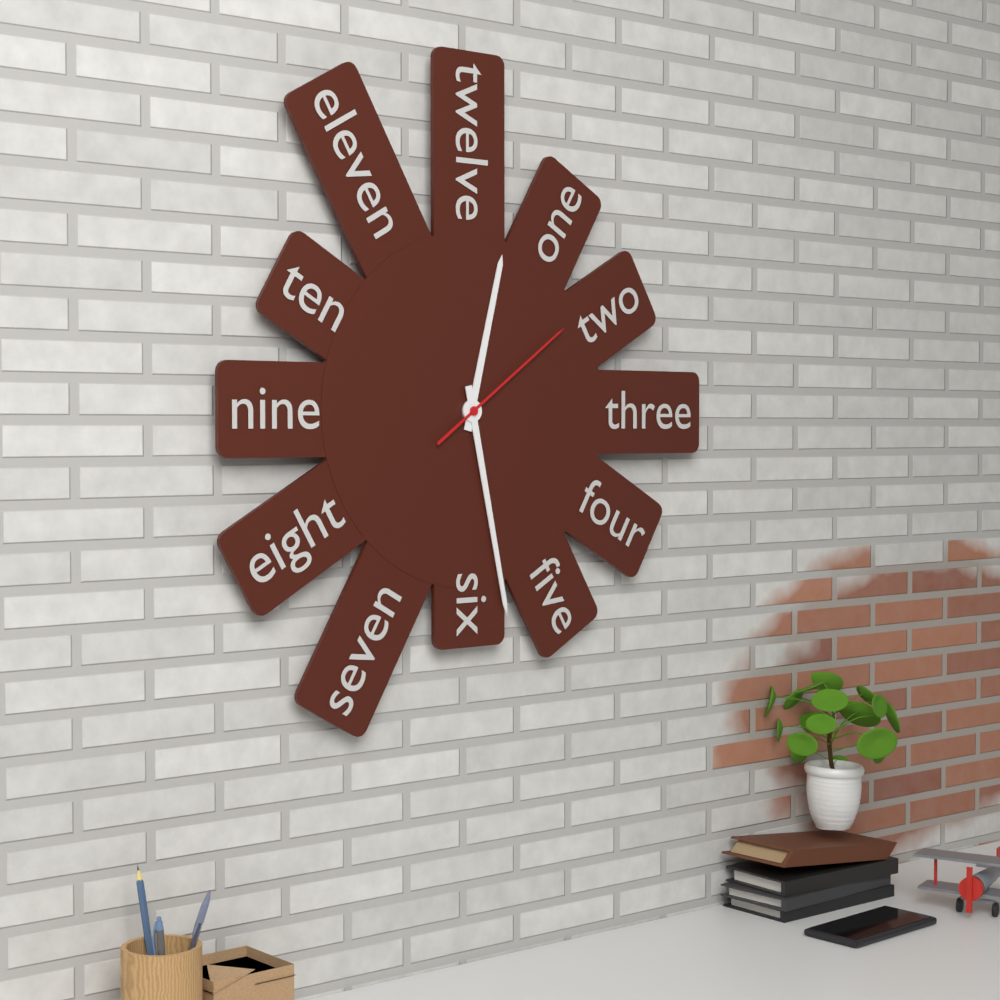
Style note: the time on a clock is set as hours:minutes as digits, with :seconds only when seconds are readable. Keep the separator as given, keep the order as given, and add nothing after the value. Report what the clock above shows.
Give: 12:28:09
